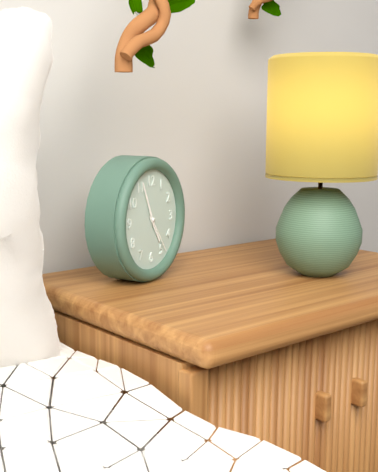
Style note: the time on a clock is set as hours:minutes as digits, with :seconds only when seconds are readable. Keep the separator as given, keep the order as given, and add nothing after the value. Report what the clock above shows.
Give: 4:56
